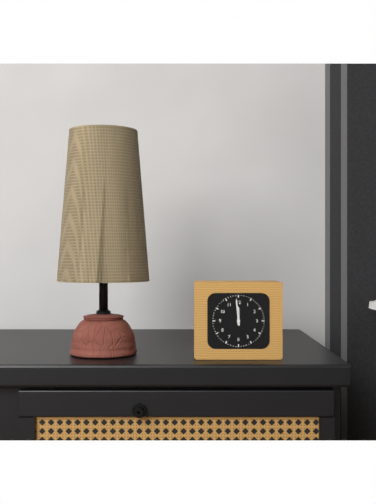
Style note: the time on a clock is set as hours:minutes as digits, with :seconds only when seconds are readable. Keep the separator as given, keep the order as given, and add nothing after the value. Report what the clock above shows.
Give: 11:59
